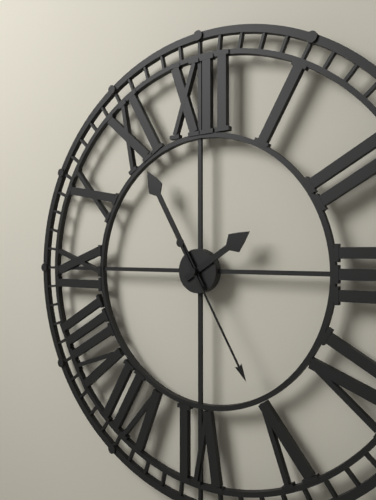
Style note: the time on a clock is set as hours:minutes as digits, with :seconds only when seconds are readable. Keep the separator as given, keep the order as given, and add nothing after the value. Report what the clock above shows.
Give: 1:55:25
